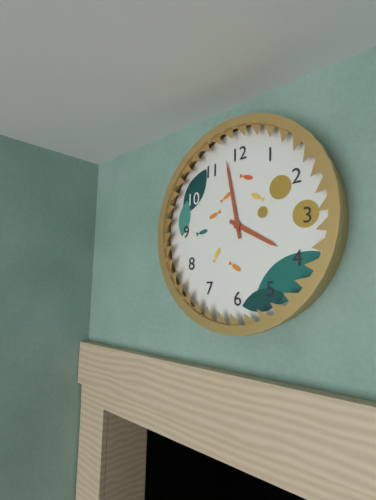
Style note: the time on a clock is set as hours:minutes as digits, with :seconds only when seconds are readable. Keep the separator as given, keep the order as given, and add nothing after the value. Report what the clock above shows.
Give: 3:58
